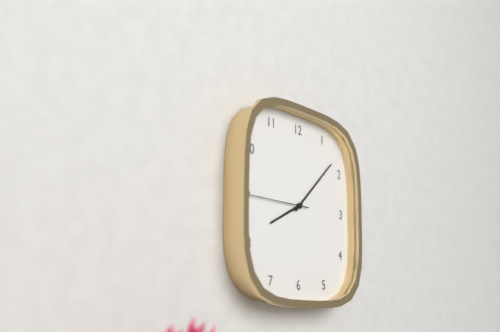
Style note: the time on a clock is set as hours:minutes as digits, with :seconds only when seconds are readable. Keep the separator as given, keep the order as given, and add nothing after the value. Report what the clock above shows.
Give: 8:08:45
